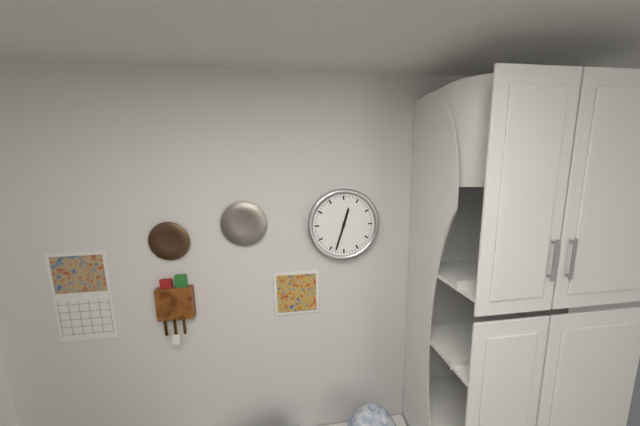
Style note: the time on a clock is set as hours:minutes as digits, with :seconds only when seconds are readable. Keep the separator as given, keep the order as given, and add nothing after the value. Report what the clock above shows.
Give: 12:33
